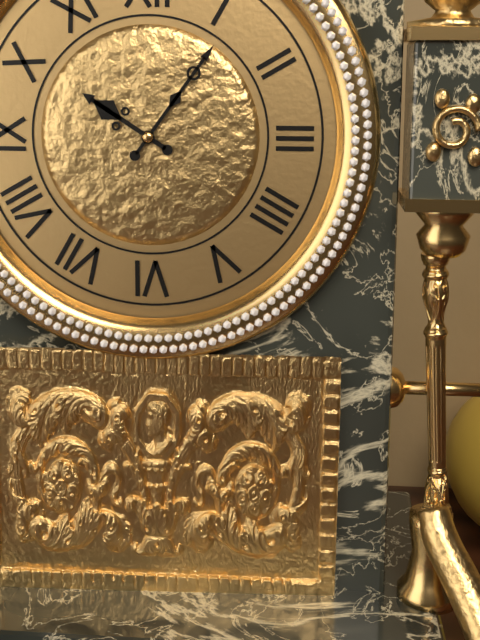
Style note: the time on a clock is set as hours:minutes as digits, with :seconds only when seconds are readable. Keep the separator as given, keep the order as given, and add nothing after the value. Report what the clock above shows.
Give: 10:06
